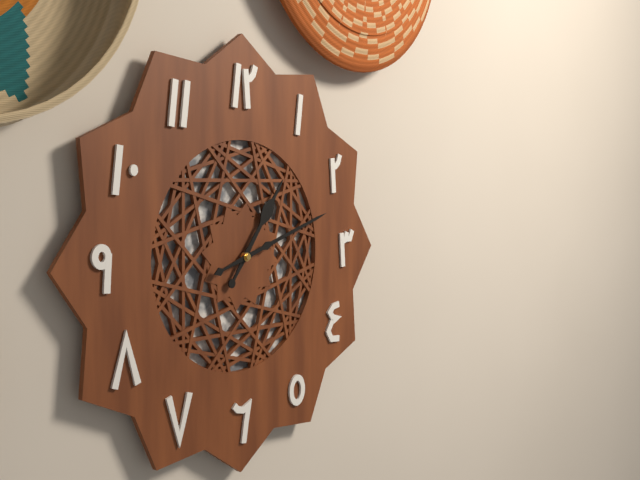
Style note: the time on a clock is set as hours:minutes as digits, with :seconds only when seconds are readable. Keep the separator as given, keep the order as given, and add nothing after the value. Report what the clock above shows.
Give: 1:12
